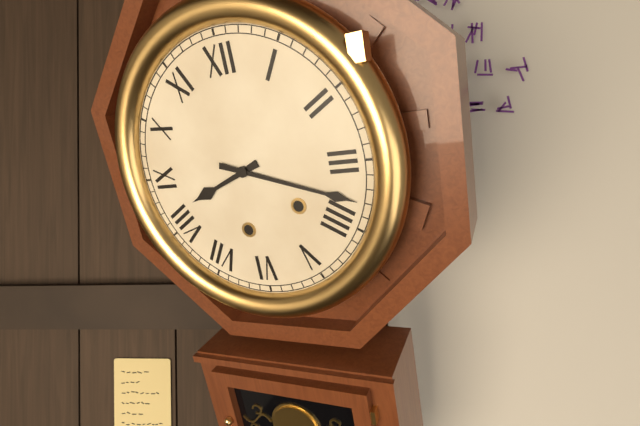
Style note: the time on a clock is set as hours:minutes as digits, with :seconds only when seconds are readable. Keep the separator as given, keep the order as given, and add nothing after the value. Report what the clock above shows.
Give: 8:18
